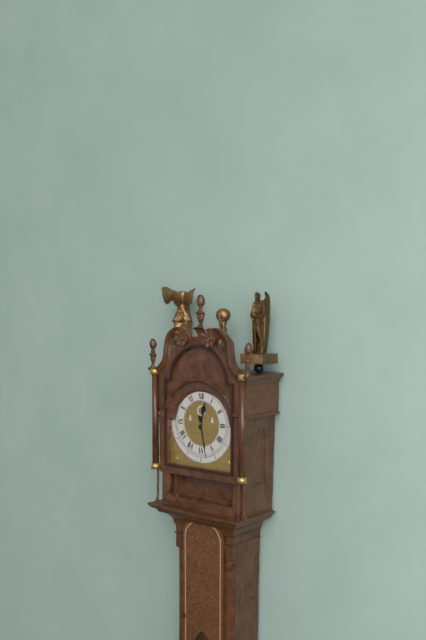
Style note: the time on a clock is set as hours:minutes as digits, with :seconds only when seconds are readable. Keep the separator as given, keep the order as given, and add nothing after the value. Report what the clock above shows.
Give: 12:28
